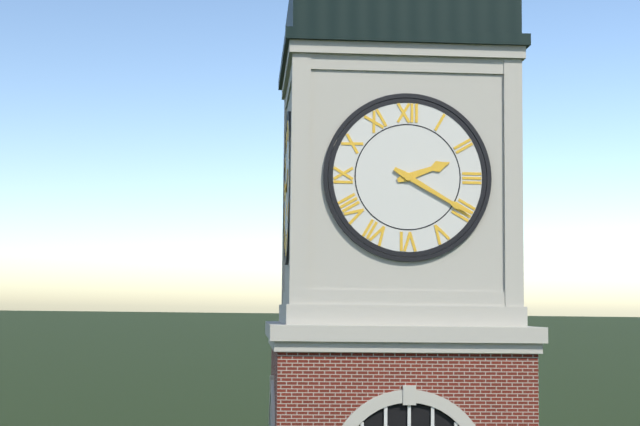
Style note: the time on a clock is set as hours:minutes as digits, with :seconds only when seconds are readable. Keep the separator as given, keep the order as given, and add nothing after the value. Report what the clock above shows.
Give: 2:20
